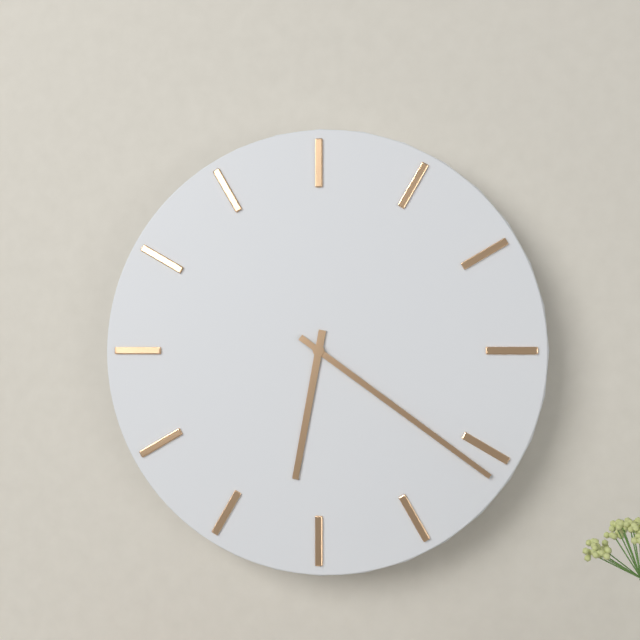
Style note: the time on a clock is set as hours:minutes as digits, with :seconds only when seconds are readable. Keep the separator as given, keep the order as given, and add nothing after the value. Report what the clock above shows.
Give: 6:21
